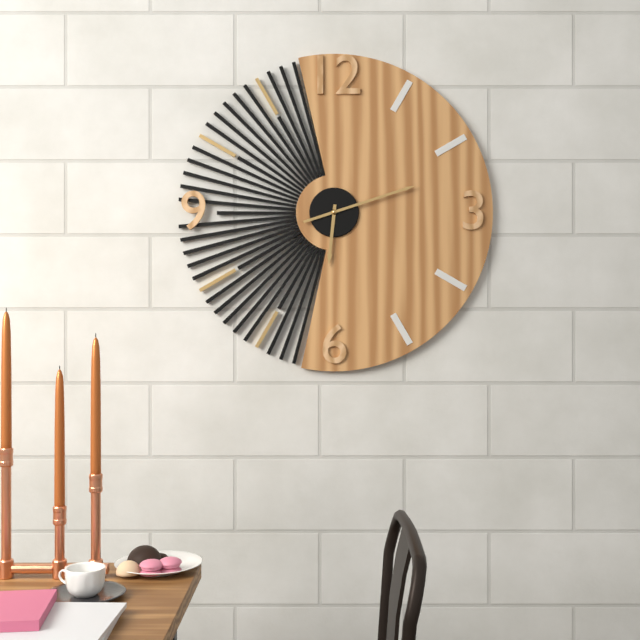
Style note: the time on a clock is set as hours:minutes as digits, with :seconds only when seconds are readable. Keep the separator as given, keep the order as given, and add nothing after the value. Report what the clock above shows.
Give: 6:12
